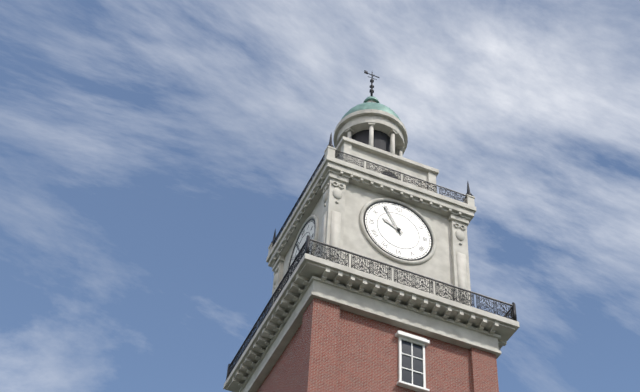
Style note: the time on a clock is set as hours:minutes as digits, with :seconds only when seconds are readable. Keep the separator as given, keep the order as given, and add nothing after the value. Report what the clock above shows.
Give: 9:55
